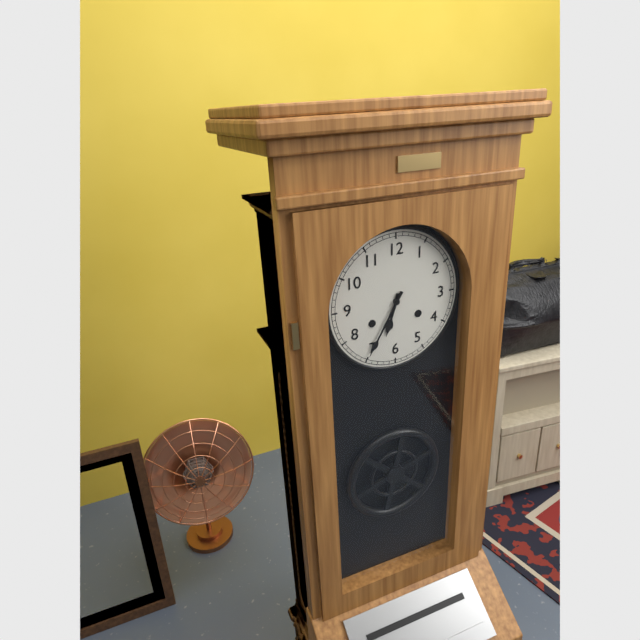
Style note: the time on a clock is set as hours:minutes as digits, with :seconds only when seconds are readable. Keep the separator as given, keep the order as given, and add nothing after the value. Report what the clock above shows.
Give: 6:35
